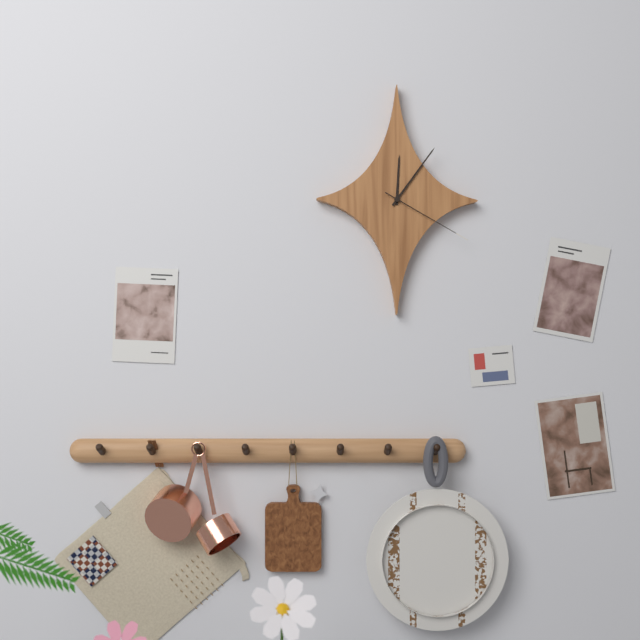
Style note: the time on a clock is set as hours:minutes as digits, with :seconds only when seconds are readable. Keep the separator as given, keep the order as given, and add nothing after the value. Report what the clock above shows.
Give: 12:06:20
